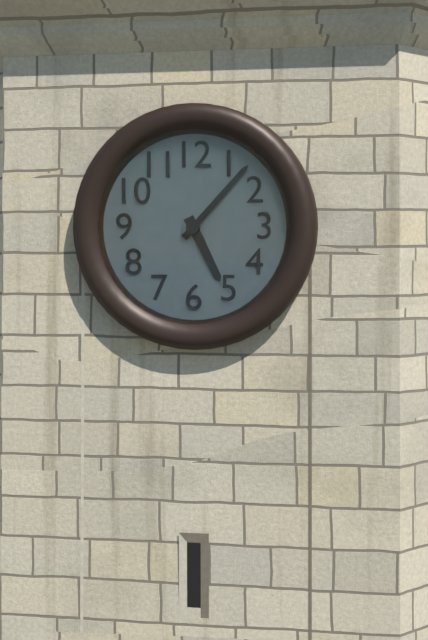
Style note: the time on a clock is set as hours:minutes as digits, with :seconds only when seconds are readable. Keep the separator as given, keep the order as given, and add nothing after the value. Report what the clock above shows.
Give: 5:07
